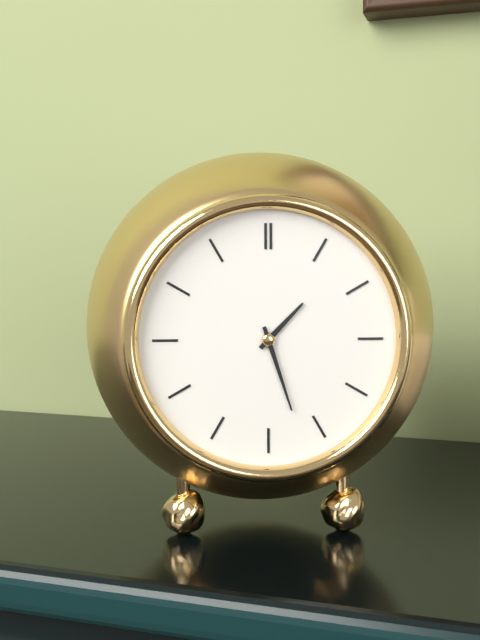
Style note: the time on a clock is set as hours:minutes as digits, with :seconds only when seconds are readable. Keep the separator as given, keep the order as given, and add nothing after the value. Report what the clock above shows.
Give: 1:27
